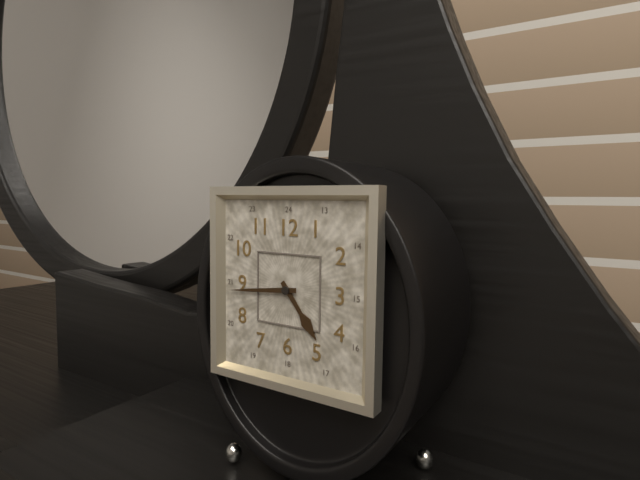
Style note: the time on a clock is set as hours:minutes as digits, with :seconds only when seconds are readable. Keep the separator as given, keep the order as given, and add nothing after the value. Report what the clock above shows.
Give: 4:44
